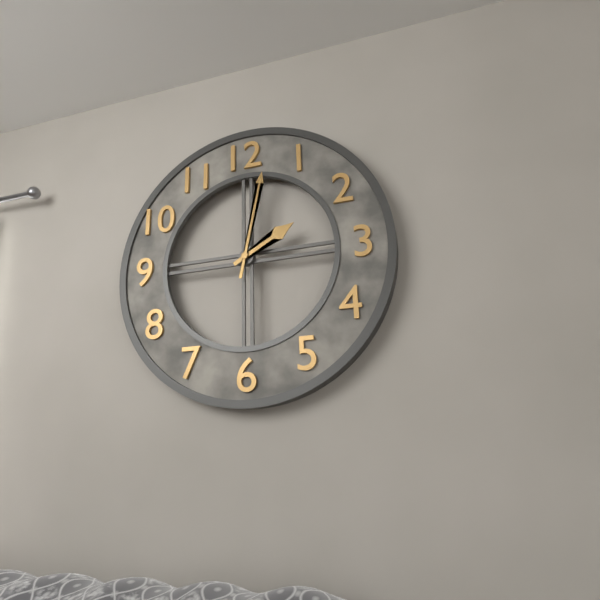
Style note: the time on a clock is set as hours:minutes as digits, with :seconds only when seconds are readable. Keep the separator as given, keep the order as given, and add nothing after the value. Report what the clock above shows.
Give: 2:02
